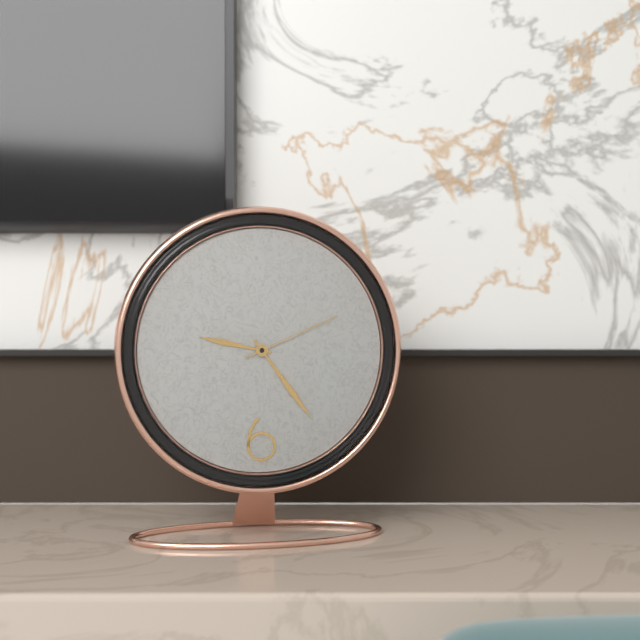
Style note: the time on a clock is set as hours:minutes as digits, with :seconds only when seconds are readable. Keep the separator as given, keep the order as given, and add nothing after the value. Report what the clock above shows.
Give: 9:24:11
